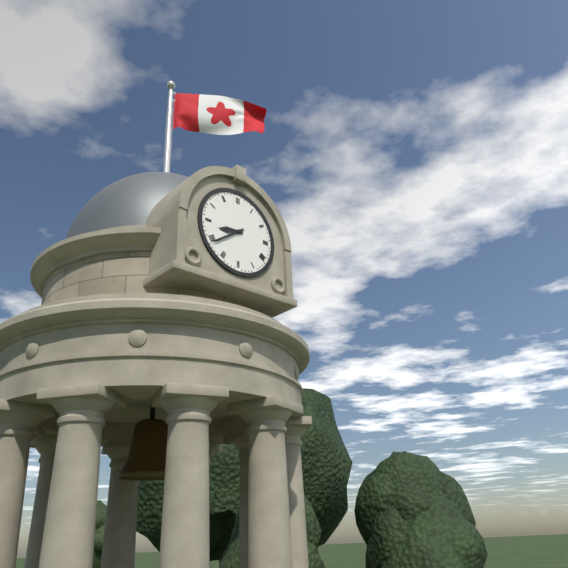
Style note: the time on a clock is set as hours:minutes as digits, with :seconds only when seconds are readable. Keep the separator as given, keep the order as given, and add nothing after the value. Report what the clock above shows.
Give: 8:39
